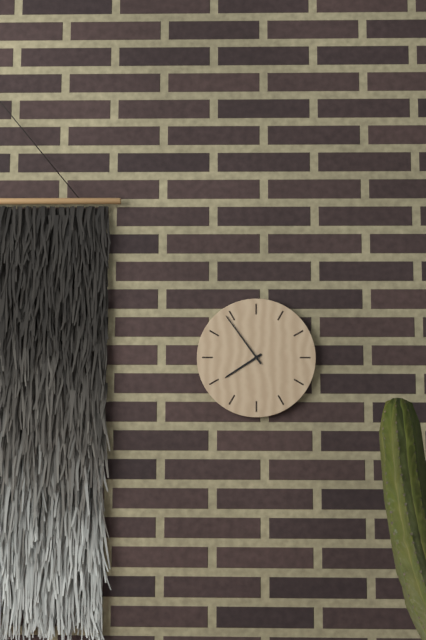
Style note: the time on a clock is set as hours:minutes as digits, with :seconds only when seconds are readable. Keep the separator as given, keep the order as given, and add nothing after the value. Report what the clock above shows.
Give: 7:54
